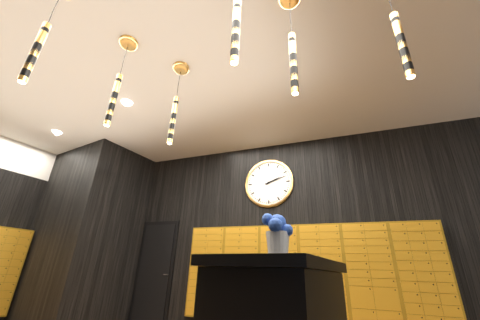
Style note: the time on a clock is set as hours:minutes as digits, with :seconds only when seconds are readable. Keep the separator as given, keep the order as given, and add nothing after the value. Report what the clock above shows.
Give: 2:12
